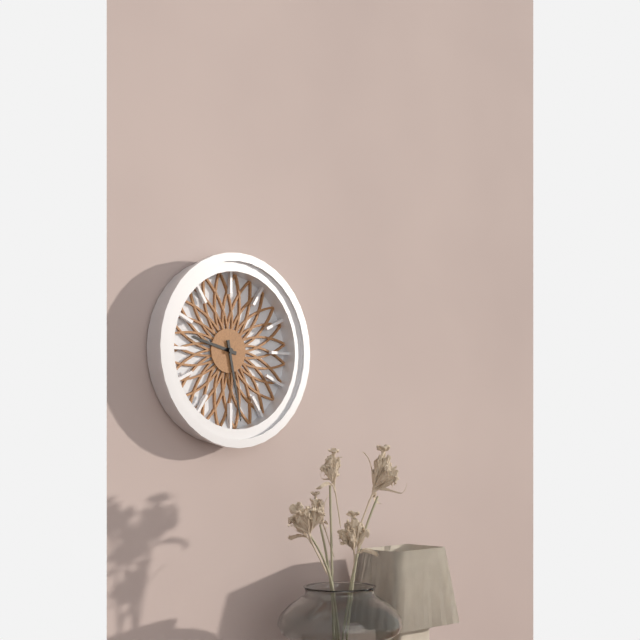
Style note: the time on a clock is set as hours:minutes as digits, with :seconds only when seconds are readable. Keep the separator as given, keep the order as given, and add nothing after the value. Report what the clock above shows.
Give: 9:28
